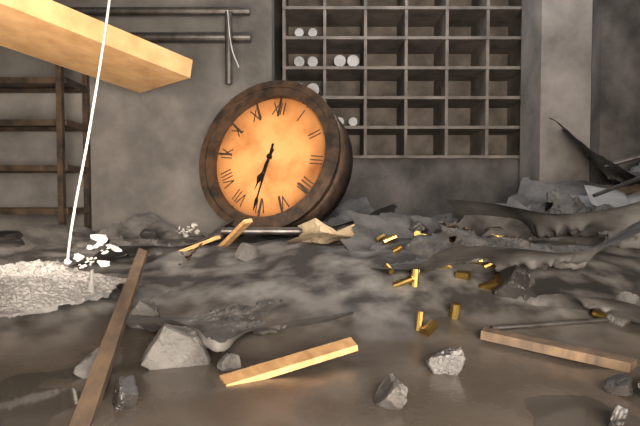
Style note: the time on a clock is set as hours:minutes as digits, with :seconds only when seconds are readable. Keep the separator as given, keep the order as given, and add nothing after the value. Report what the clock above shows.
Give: 6:31
